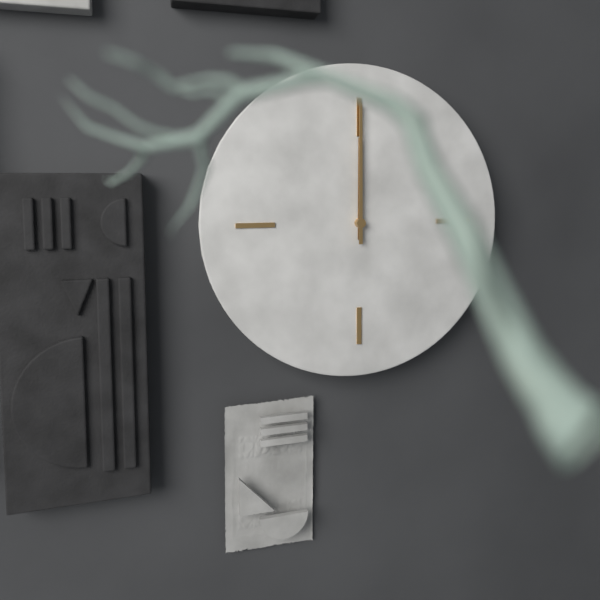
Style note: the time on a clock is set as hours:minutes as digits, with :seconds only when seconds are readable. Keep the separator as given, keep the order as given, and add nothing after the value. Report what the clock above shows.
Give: 12:00
